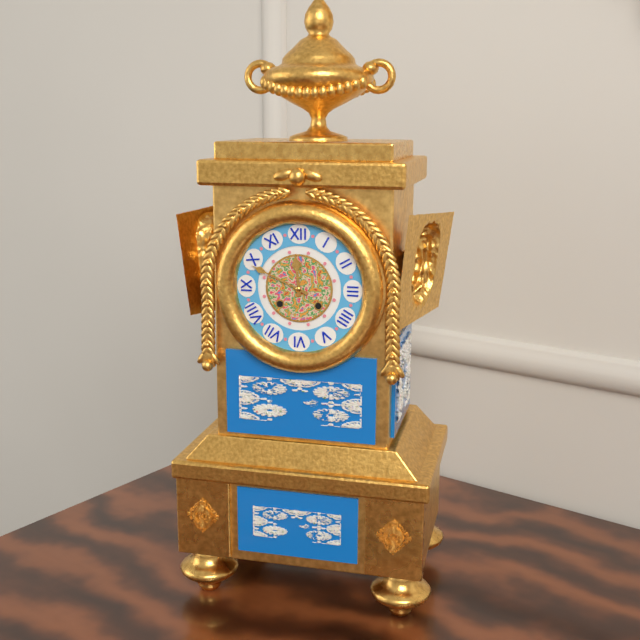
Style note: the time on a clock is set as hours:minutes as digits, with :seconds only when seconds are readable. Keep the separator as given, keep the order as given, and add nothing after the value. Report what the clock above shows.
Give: 11:49
